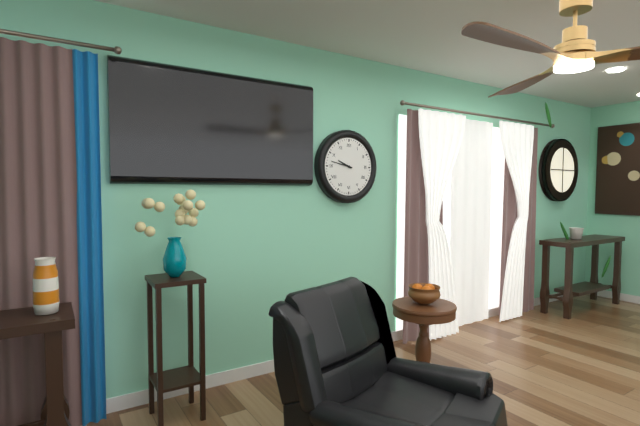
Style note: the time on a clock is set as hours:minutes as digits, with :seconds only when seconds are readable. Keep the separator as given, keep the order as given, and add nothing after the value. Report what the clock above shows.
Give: 9:47
